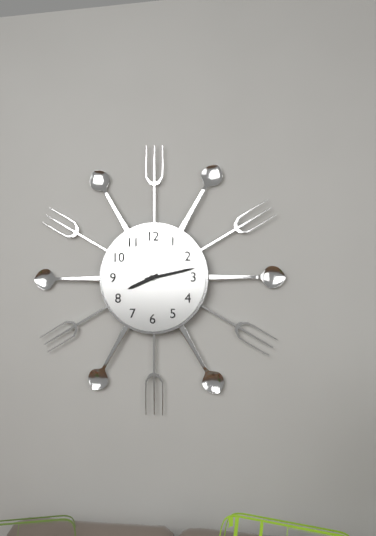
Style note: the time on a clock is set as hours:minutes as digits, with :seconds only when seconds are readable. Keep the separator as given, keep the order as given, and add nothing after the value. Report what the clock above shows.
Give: 8:13
